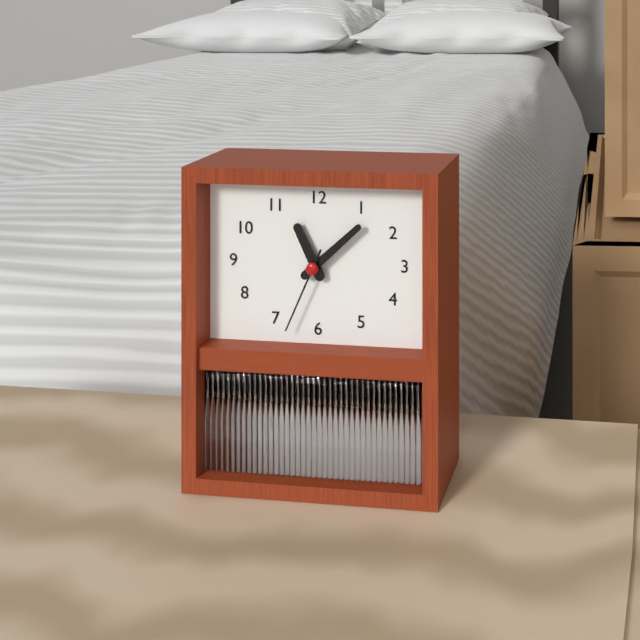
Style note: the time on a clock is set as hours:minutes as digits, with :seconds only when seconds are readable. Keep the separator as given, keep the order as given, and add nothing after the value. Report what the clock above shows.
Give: 11:08:34
